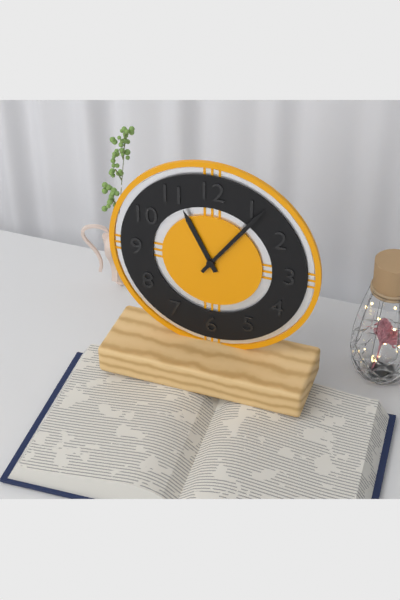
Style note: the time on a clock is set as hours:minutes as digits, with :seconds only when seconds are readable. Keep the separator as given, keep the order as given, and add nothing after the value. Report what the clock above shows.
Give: 11:06
